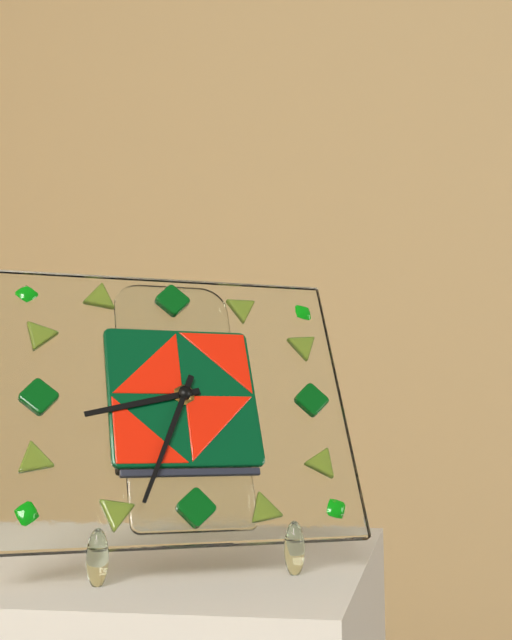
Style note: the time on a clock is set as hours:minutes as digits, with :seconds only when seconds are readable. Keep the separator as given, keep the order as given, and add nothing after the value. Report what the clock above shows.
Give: 8:34
